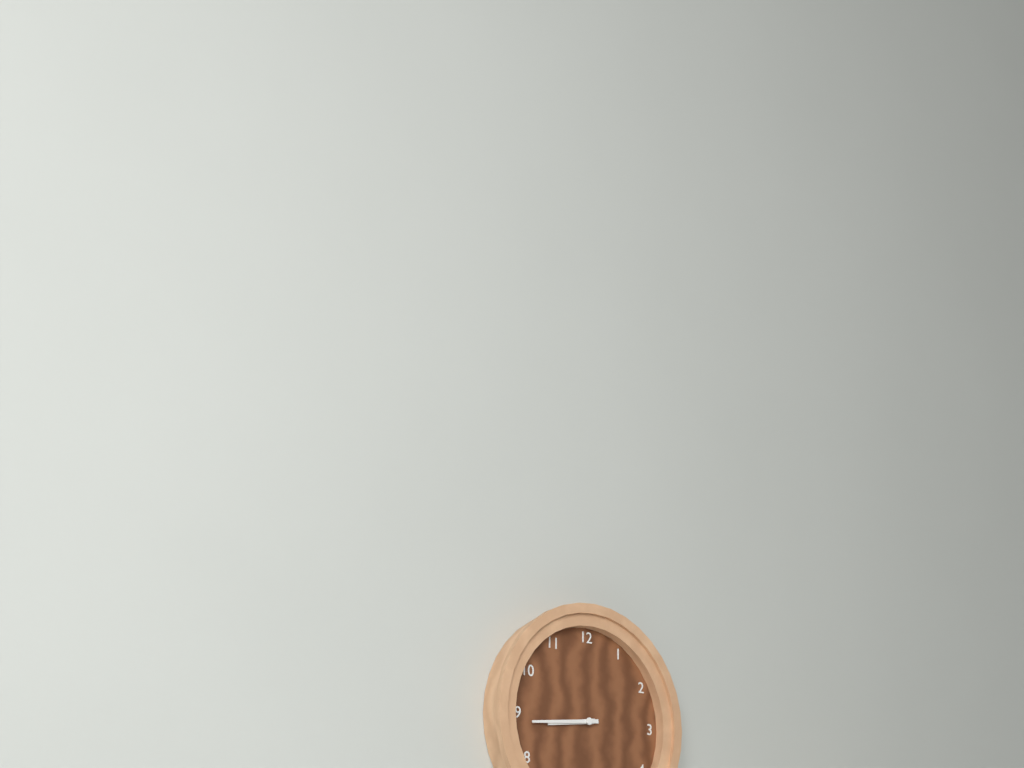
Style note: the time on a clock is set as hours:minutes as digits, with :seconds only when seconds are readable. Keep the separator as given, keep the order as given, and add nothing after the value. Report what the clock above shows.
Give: 8:44
